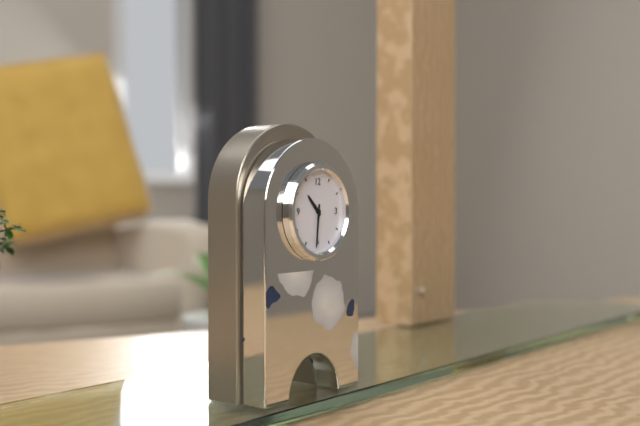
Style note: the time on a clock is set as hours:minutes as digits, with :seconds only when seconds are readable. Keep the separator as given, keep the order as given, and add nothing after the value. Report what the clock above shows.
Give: 10:31
